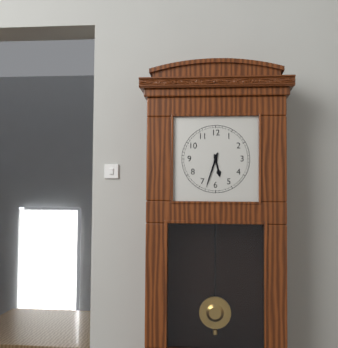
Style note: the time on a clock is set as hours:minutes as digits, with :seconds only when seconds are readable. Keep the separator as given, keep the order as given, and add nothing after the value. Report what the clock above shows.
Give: 5:33
